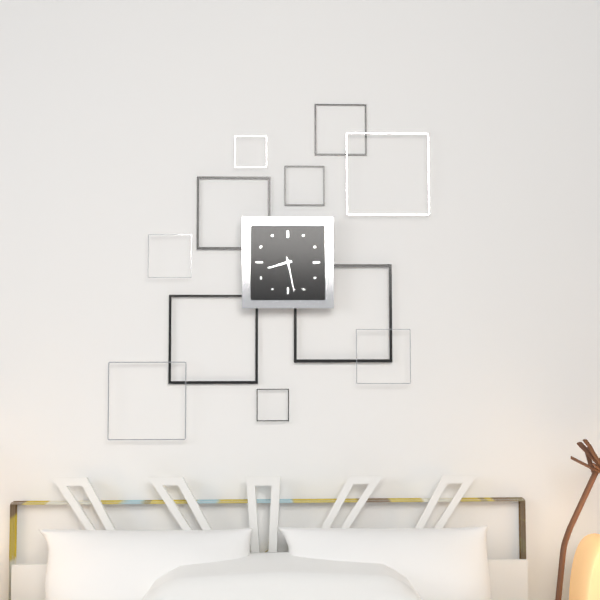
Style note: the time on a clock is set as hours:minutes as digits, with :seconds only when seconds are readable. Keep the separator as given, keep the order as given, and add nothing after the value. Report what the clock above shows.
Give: 8:28
